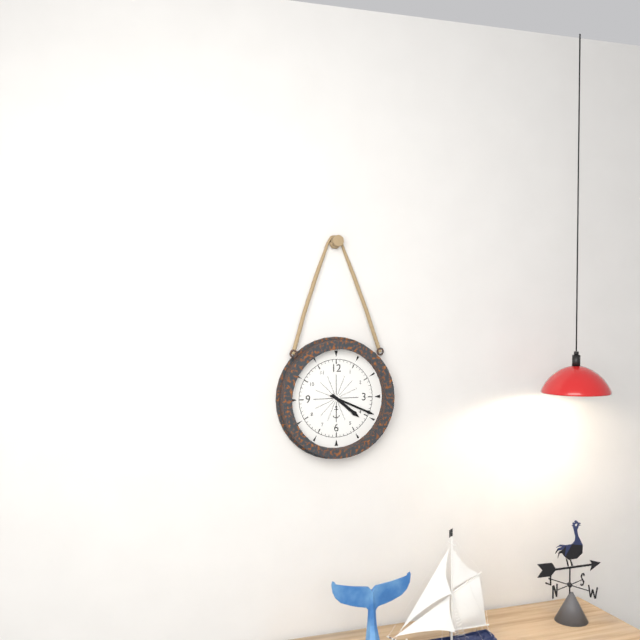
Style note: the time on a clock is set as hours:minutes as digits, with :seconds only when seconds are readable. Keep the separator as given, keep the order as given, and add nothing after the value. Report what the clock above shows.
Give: 4:19
